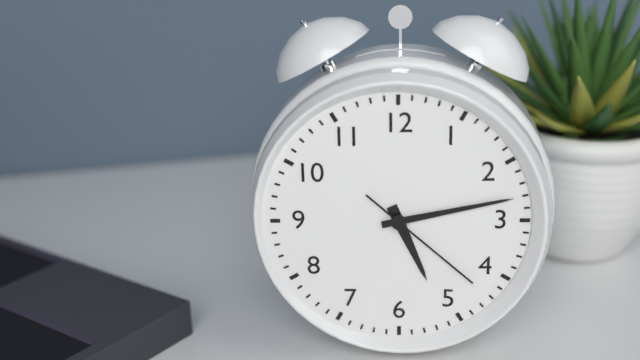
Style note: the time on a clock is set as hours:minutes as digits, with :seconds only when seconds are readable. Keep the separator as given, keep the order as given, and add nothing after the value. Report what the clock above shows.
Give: 5:13:22
